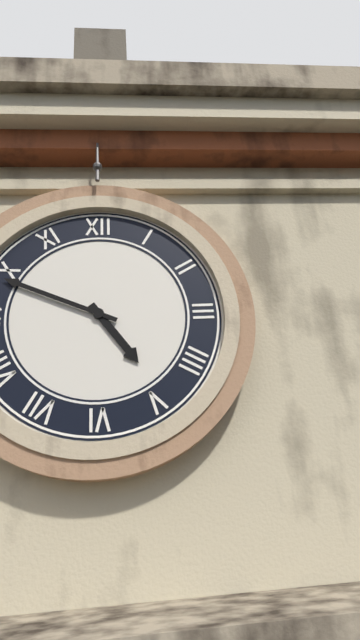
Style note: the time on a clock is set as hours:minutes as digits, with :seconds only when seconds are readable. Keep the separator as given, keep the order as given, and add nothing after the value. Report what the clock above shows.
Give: 4:49
